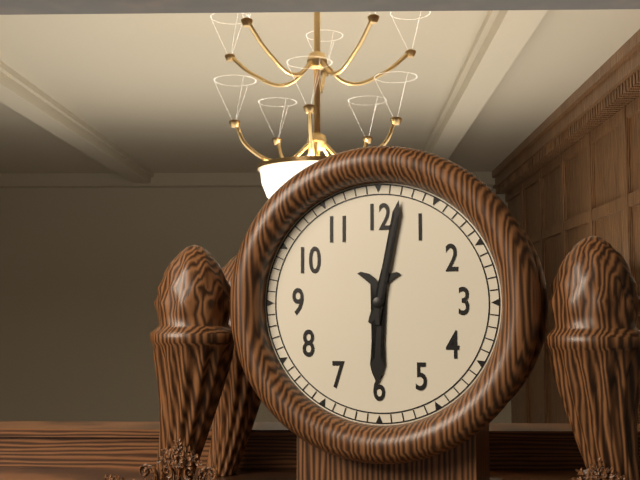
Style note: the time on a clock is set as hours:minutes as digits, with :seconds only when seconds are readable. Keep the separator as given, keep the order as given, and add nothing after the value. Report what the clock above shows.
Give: 6:02
